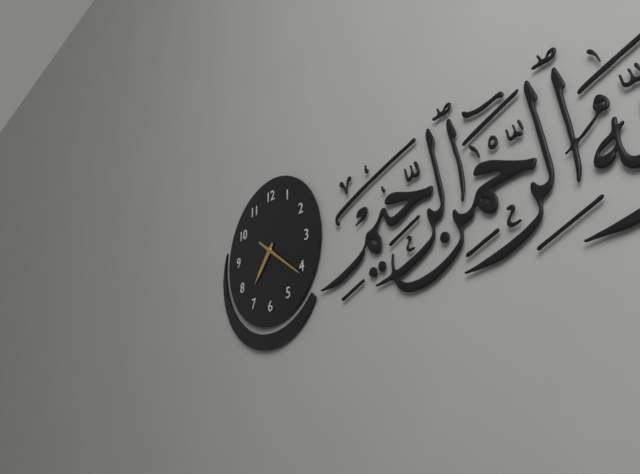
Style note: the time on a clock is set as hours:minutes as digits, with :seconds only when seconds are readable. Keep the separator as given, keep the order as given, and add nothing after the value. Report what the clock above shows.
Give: 7:21
